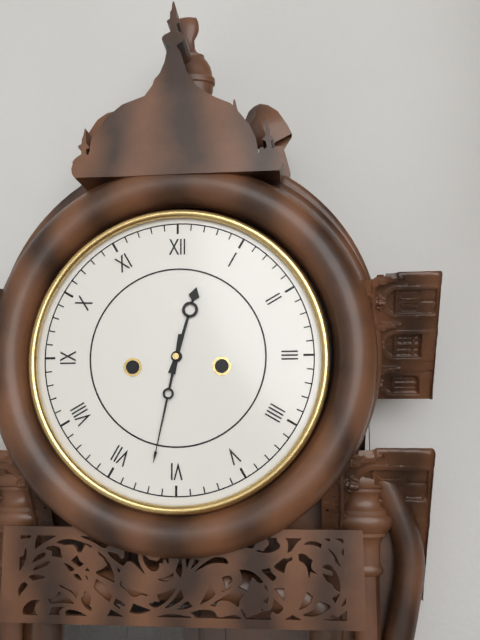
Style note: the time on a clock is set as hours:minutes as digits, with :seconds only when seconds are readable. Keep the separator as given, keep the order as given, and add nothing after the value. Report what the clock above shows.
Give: 12:32
